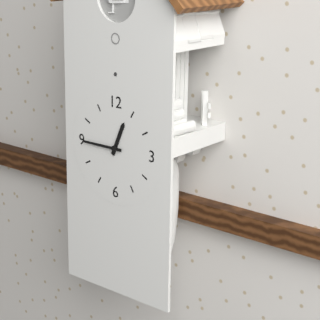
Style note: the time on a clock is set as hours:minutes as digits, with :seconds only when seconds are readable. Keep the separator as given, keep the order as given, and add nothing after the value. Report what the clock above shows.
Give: 12:45
